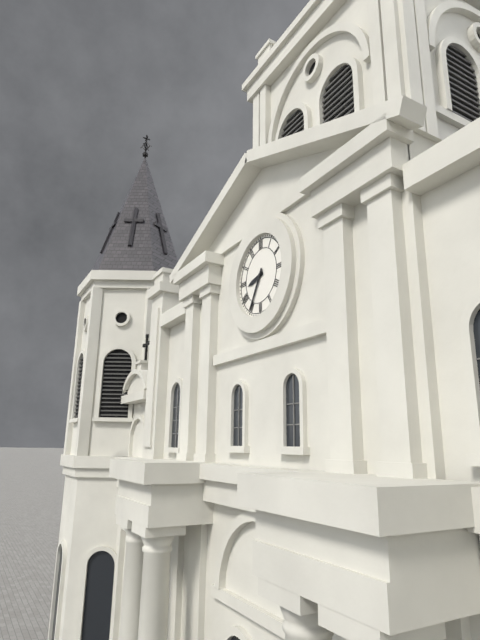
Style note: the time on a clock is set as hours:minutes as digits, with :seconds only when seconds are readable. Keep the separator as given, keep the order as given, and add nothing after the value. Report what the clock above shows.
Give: 8:35
